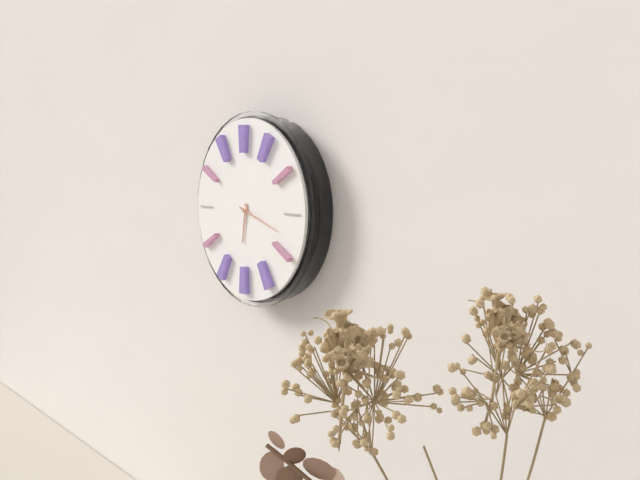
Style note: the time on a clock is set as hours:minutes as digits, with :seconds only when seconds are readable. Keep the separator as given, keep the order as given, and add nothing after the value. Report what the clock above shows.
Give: 6:18
